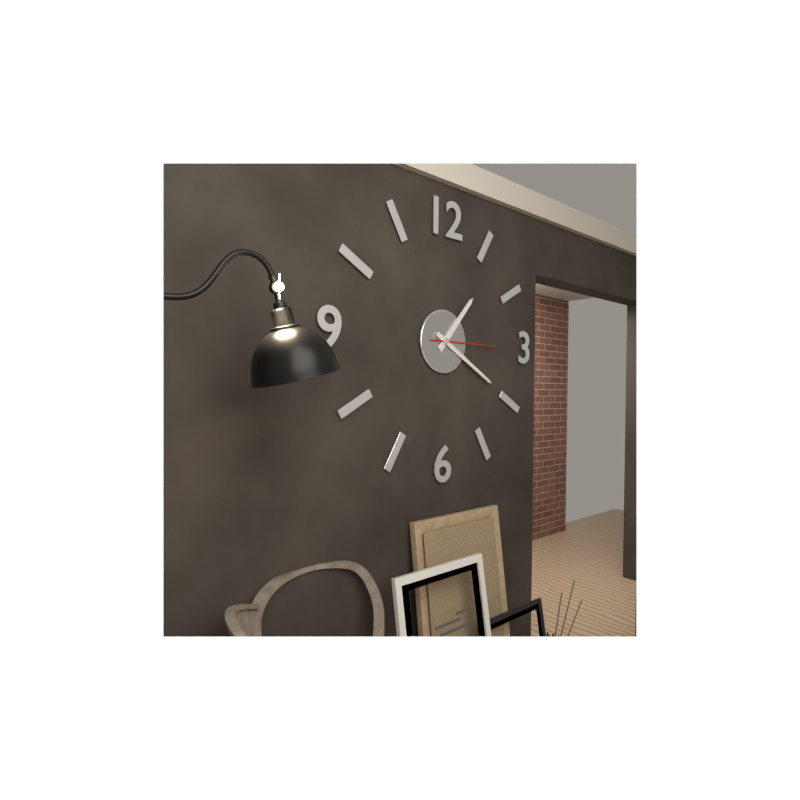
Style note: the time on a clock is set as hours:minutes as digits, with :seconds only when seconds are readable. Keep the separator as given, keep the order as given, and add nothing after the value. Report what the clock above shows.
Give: 1:20:15
